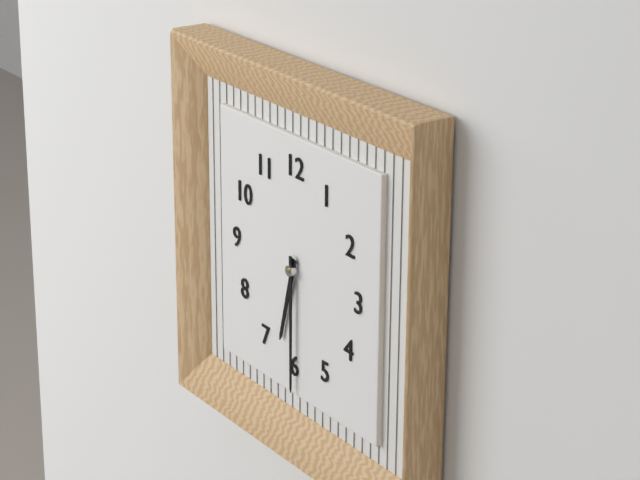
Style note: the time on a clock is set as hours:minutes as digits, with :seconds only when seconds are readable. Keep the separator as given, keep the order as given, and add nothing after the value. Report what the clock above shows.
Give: 6:30
